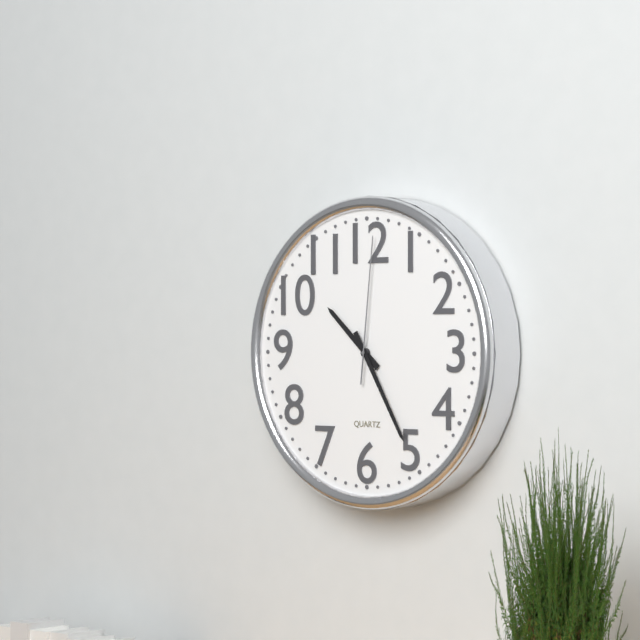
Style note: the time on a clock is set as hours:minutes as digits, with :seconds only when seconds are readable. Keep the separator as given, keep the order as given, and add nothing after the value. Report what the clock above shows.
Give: 10:25:01
